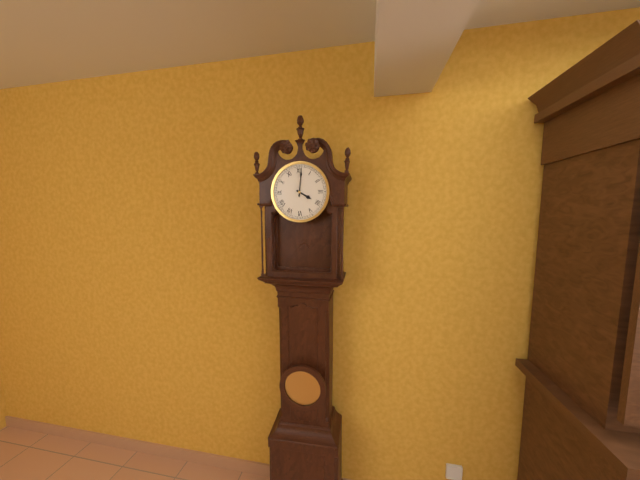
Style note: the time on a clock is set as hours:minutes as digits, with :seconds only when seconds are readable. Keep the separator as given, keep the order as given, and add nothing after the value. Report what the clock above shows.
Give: 4:01
